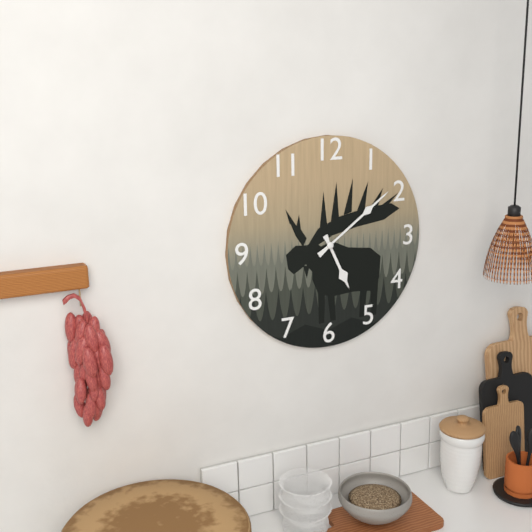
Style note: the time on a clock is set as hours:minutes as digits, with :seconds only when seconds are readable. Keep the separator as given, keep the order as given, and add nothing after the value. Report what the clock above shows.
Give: 5:09
